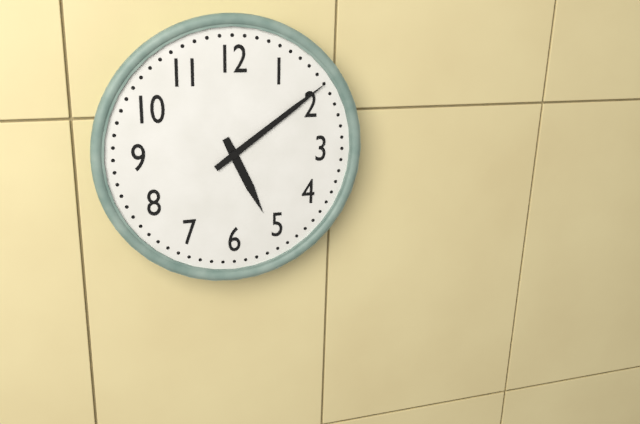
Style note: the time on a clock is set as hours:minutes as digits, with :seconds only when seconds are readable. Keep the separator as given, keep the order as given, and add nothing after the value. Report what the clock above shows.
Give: 5:09
